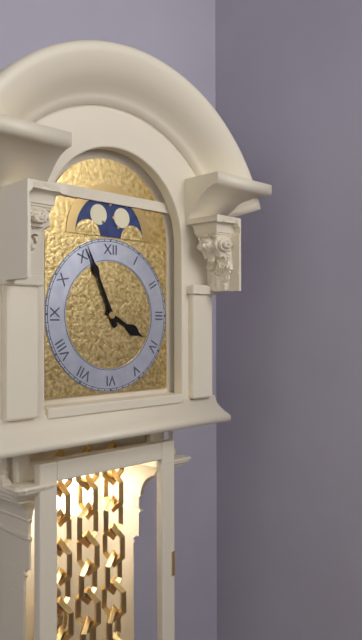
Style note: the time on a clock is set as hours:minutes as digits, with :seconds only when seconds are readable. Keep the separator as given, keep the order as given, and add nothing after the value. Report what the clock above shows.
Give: 3:56
